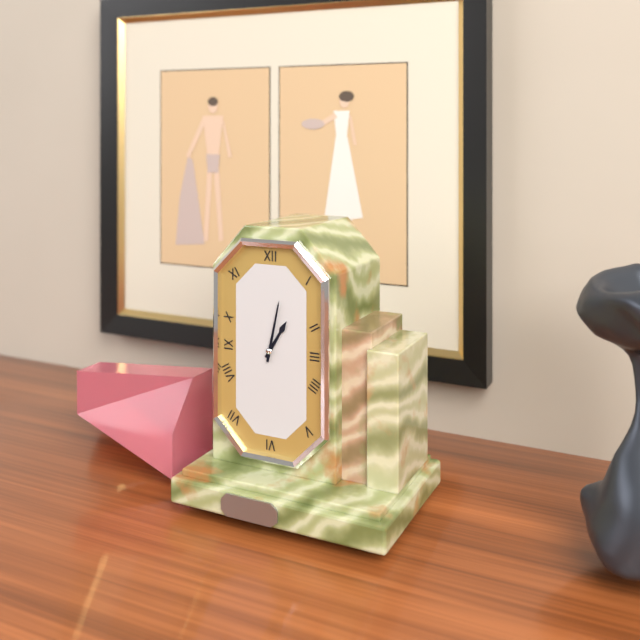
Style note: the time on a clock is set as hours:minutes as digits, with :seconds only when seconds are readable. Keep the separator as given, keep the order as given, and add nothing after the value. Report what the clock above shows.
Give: 1:02
